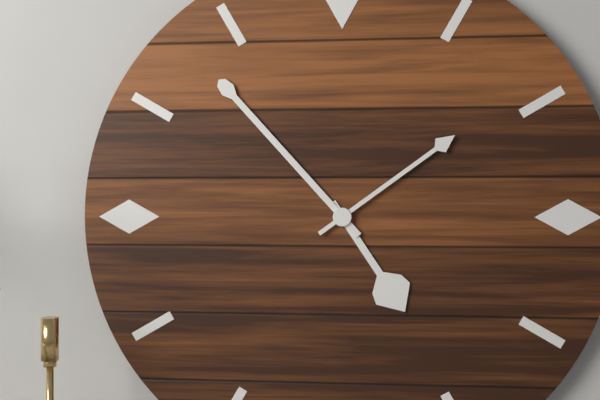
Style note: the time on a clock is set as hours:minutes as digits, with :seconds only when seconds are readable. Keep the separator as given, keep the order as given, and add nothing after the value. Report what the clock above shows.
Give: 4:53:09
